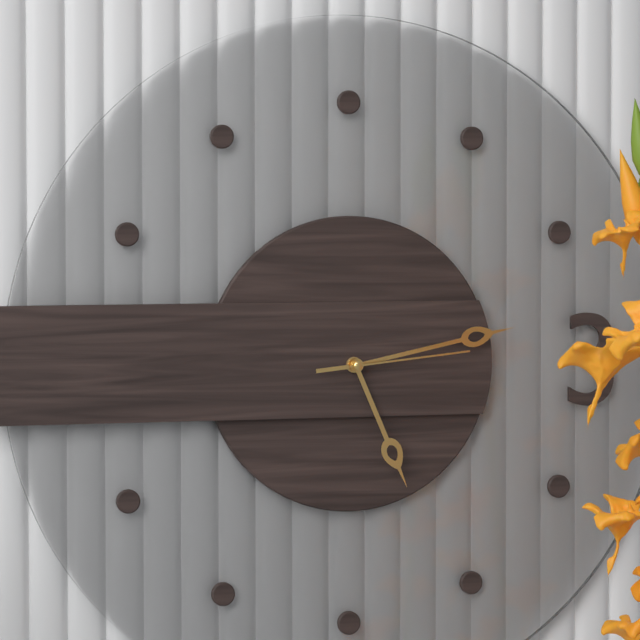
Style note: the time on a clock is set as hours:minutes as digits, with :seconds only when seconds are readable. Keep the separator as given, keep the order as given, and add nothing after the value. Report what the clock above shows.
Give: 5:13:14
